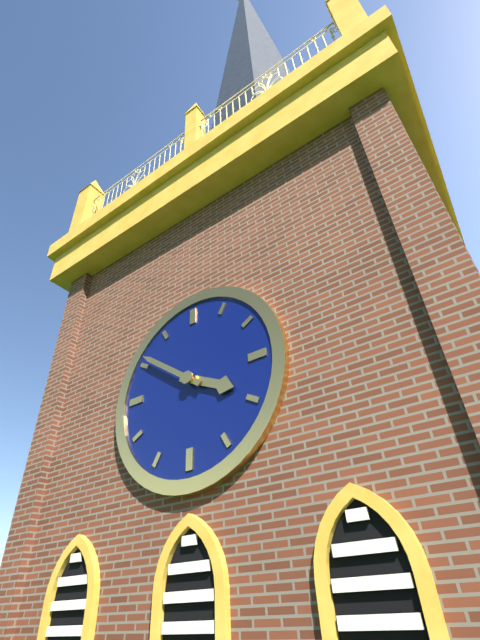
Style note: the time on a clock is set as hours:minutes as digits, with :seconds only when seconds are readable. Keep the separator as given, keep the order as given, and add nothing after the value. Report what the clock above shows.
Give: 3:51
